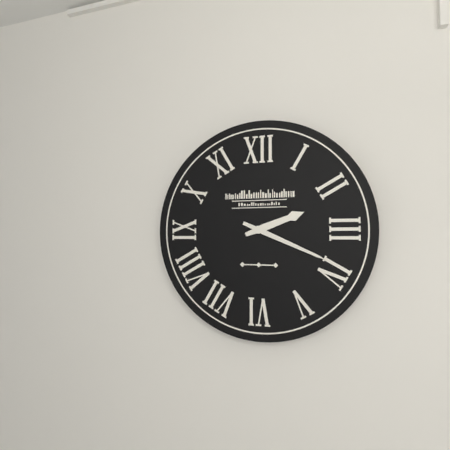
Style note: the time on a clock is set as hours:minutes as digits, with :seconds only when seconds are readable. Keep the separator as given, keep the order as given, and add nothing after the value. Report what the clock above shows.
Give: 2:19
